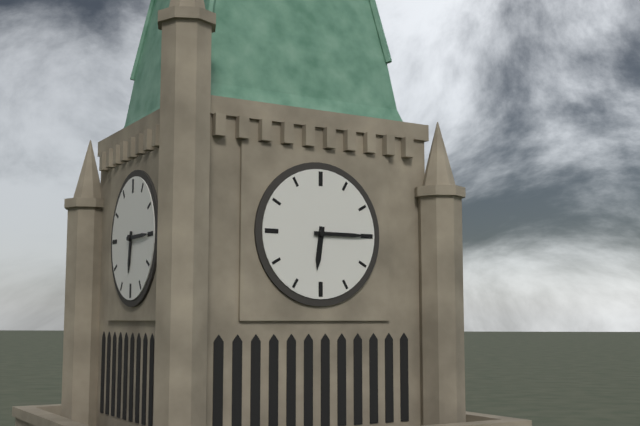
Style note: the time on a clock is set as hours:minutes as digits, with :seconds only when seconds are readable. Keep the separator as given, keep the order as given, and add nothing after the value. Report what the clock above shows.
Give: 6:15
